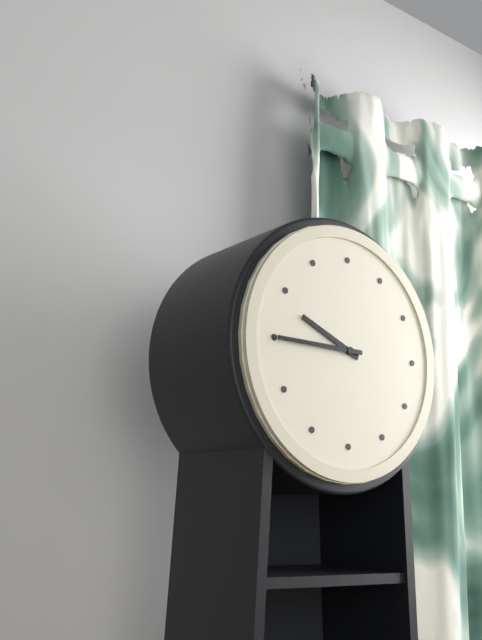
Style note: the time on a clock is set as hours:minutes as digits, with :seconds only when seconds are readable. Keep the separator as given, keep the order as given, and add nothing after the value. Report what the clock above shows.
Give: 9:45
